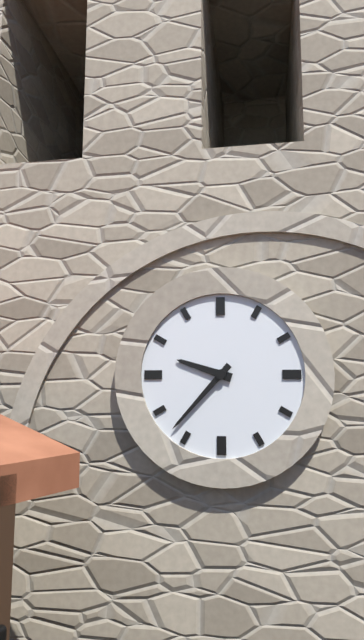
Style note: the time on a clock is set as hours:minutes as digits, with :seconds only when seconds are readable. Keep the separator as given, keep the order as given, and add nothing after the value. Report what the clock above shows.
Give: 9:37
